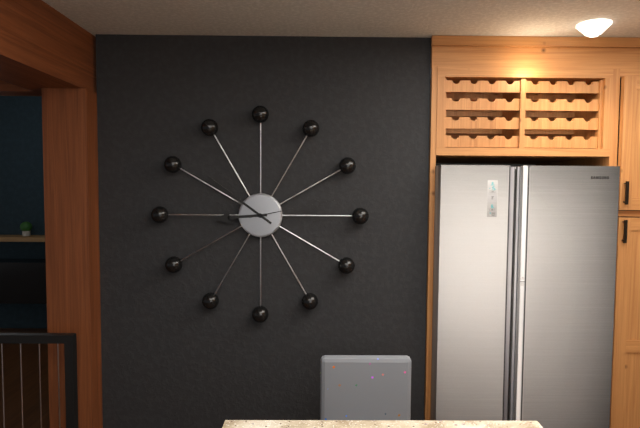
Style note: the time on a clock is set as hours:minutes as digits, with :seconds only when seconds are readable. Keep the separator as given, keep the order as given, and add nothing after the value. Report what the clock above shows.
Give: 8:51:13
